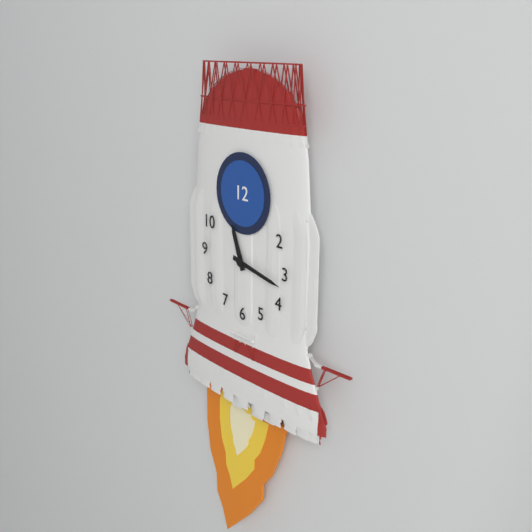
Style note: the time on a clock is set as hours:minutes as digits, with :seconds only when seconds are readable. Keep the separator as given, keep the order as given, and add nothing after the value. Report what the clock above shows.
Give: 11:17
